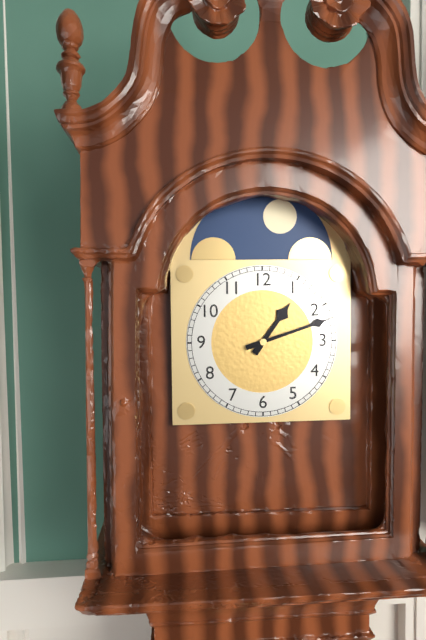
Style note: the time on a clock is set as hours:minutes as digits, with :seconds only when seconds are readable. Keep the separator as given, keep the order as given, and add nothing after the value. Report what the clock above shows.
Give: 1:12
